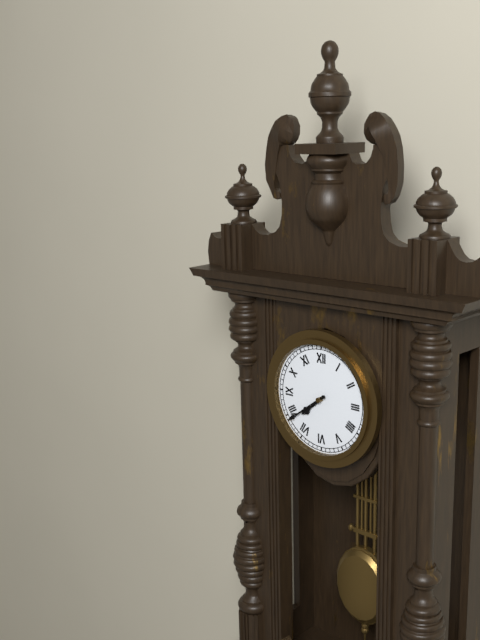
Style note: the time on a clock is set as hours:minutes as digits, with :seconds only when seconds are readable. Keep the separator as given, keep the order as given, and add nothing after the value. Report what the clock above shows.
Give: 7:39
